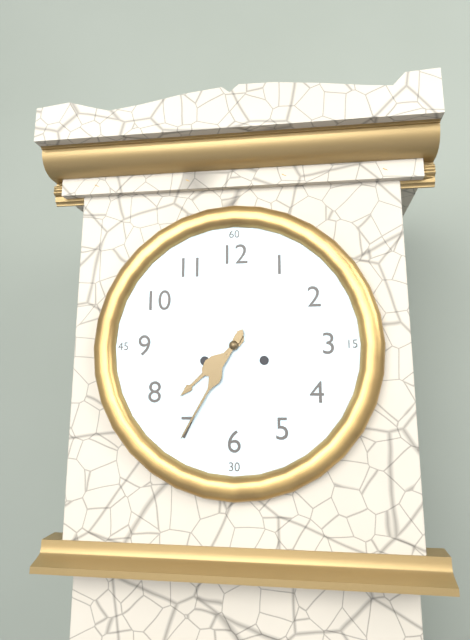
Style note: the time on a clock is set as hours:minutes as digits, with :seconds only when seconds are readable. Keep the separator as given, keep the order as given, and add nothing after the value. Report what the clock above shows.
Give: 7:35
